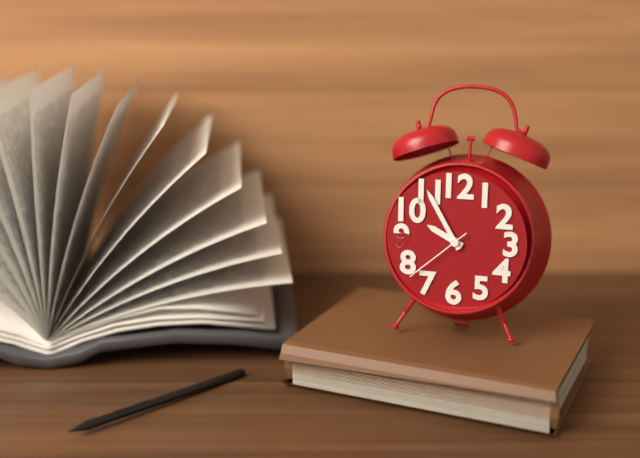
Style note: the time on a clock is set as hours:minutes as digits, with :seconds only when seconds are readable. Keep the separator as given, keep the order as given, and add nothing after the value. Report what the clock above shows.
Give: 9:55:38
